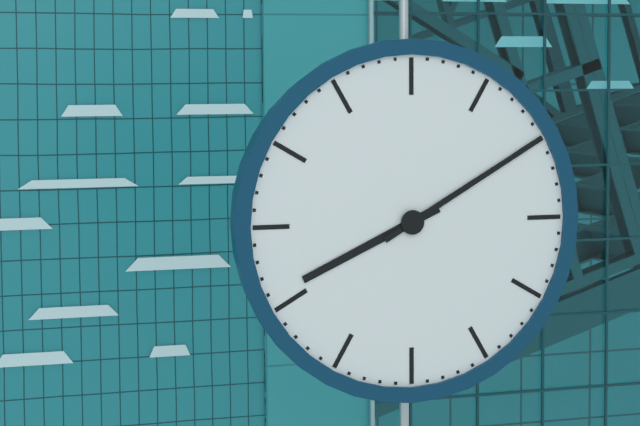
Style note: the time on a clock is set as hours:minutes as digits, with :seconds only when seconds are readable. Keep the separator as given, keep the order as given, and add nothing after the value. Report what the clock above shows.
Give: 8:10
